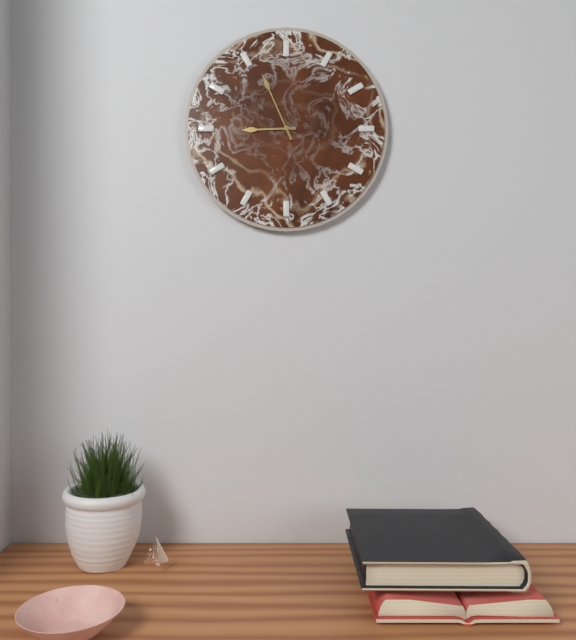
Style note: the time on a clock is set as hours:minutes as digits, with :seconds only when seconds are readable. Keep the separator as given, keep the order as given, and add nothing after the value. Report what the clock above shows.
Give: 8:56
